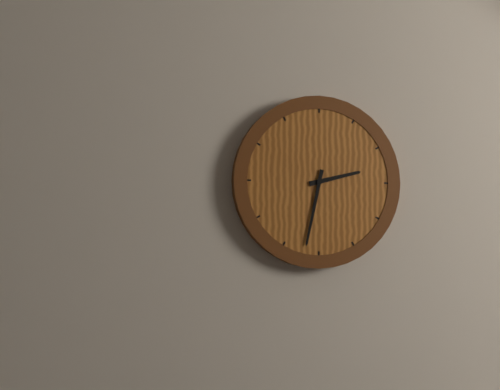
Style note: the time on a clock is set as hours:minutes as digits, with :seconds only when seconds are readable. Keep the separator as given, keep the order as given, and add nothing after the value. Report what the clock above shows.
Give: 2:32
